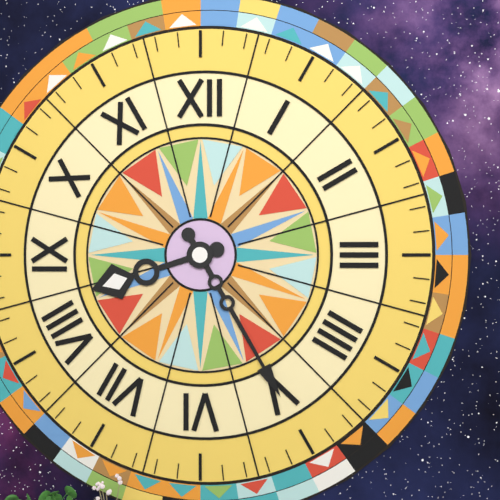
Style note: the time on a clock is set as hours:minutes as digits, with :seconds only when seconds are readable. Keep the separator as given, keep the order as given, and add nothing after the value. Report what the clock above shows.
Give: 8:25
